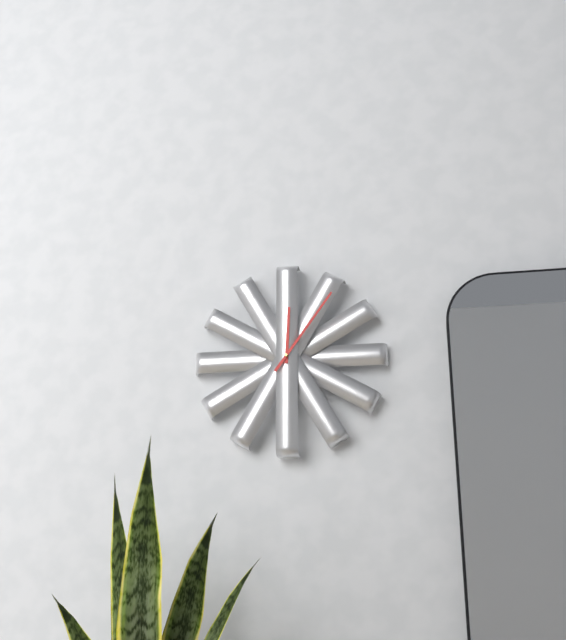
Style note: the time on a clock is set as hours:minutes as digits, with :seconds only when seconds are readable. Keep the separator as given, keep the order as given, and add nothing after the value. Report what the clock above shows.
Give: 12:06
